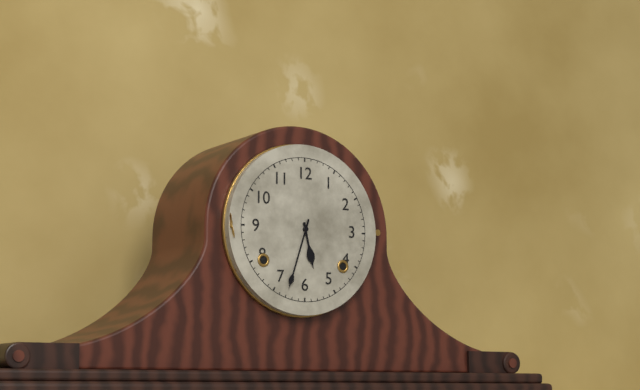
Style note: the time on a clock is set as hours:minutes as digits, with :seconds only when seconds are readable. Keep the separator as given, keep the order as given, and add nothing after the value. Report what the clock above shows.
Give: 5:33
